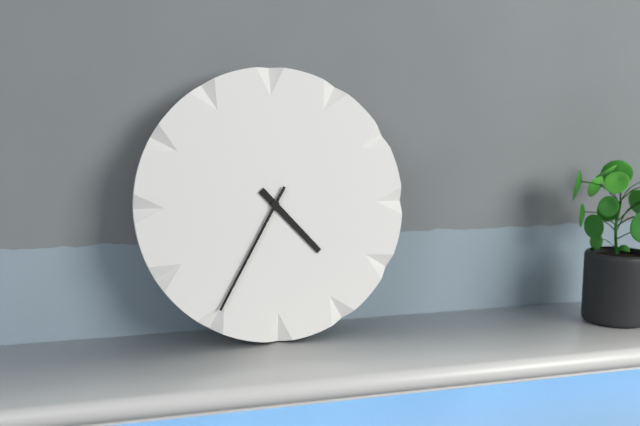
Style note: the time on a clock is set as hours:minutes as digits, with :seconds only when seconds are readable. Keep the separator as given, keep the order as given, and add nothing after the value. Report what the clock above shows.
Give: 4:35
